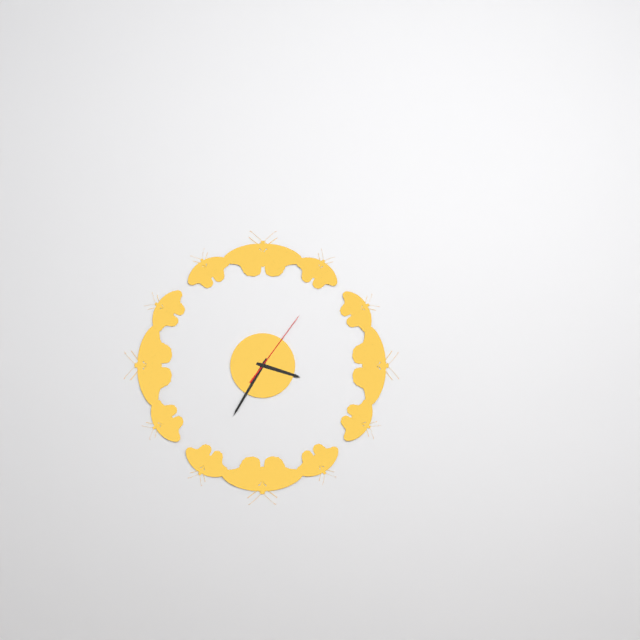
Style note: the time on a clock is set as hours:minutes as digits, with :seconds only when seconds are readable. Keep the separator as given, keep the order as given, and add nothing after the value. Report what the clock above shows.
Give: 3:35:06
